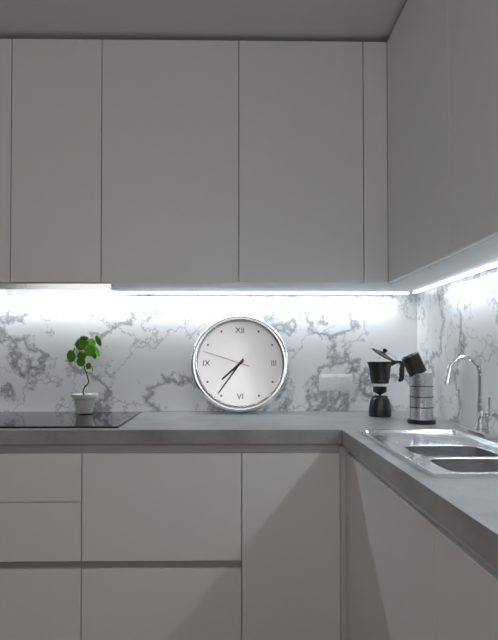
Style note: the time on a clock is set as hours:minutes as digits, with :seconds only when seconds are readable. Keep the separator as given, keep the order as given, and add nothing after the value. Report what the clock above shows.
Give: 7:36
